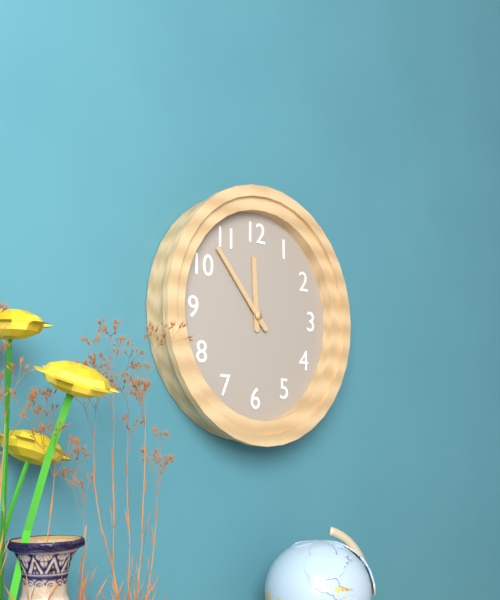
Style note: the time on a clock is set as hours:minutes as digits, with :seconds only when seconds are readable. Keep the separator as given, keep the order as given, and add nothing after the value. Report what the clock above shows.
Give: 11:53
